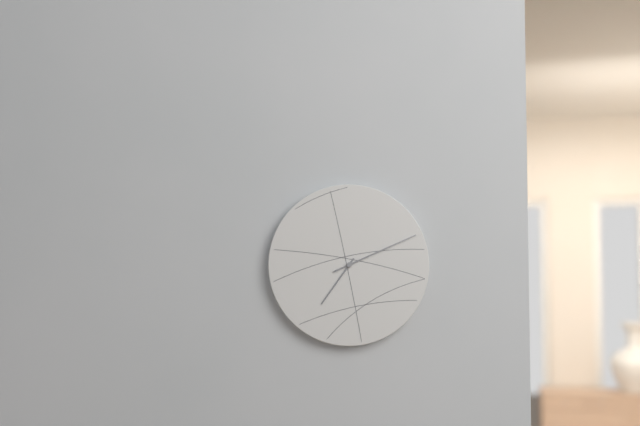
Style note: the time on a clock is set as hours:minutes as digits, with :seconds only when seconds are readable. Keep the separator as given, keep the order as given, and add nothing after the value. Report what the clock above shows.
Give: 7:11
